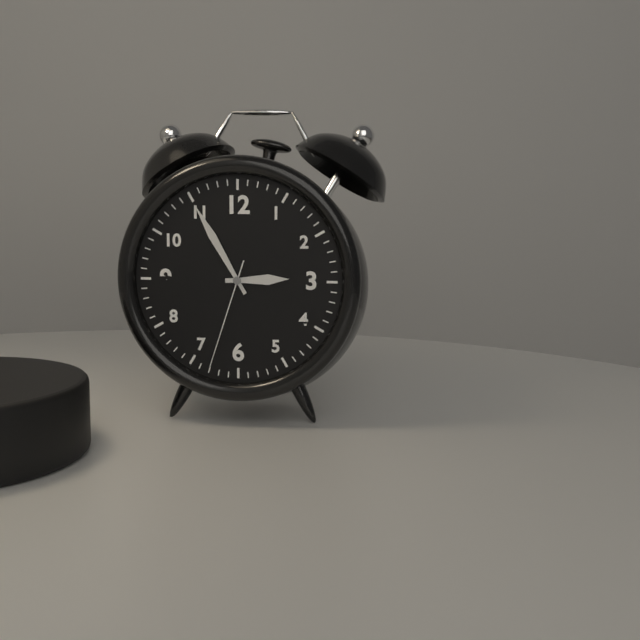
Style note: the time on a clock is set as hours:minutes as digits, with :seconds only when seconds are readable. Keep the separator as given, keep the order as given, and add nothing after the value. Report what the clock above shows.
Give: 2:55:33
